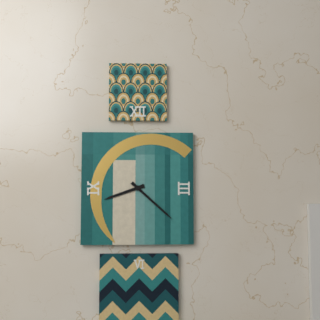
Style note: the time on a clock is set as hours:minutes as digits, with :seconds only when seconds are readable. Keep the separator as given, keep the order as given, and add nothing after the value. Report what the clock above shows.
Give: 8:22
